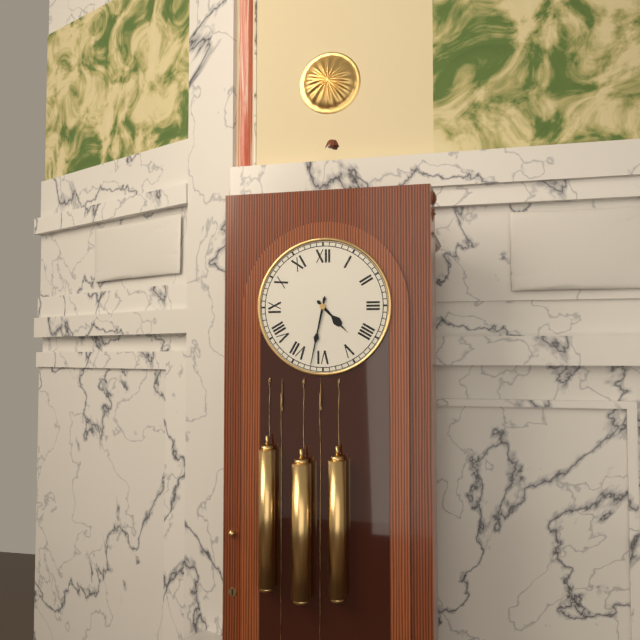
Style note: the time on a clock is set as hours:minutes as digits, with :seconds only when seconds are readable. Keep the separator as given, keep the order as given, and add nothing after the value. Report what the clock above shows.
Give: 4:32
